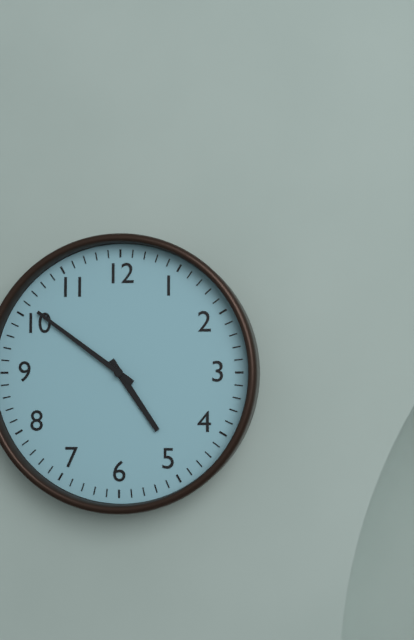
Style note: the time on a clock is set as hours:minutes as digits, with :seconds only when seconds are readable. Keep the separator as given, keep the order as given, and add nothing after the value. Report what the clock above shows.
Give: 4:51
